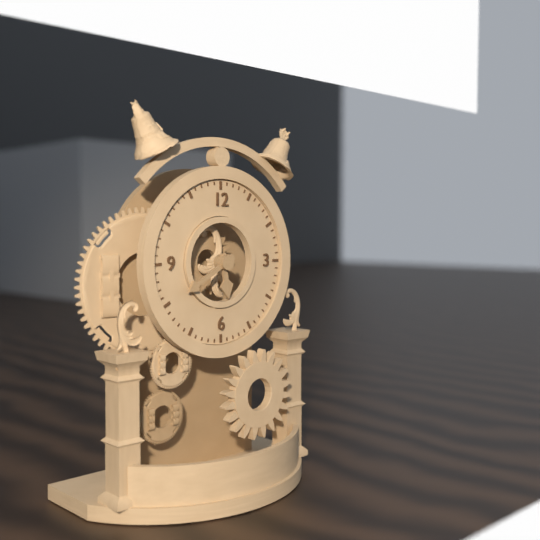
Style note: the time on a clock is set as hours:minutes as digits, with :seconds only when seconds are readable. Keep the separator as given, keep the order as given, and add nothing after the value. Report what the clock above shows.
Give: 5:40
